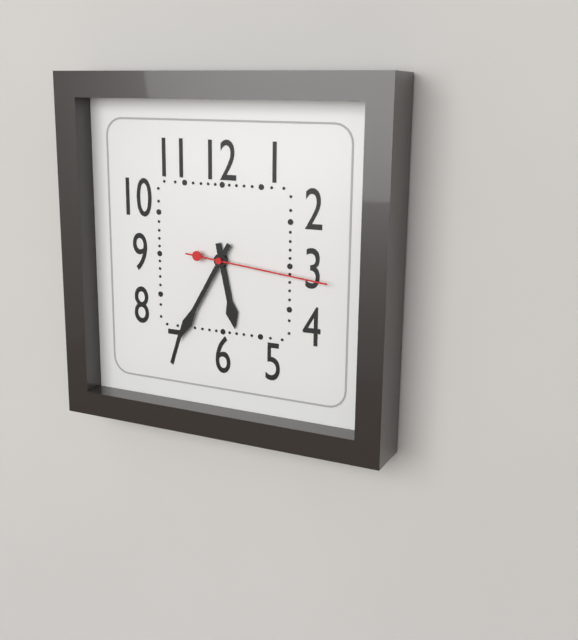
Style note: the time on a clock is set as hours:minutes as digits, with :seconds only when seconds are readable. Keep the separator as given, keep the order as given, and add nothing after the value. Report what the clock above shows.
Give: 5:35:16
